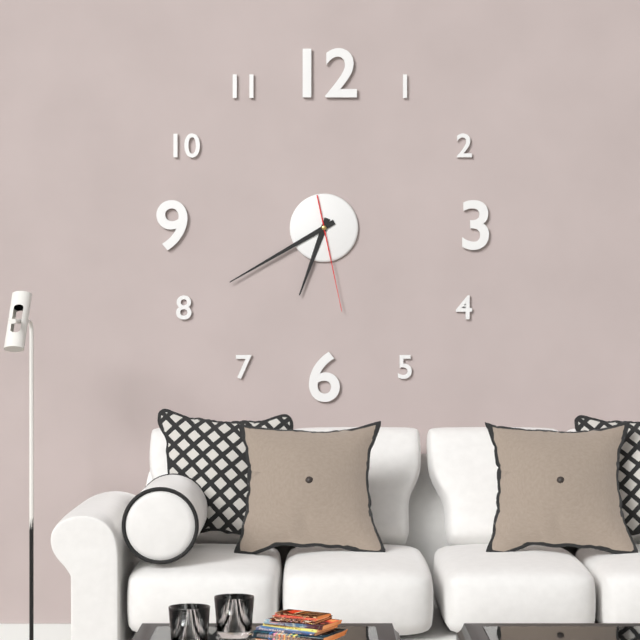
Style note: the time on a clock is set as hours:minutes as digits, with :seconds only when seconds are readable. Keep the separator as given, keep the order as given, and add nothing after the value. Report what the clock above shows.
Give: 6:40:28
